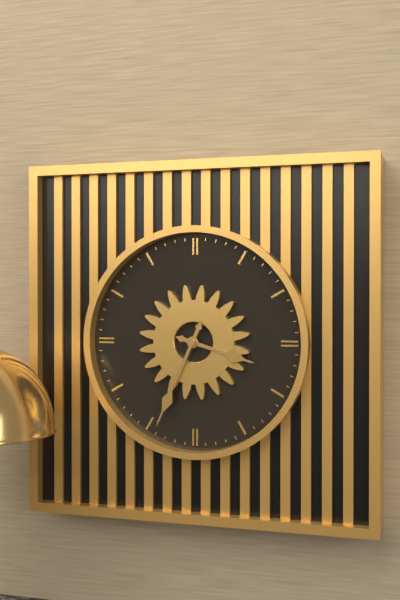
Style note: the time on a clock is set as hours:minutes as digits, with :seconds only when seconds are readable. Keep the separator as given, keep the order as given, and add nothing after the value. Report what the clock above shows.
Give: 3:34
